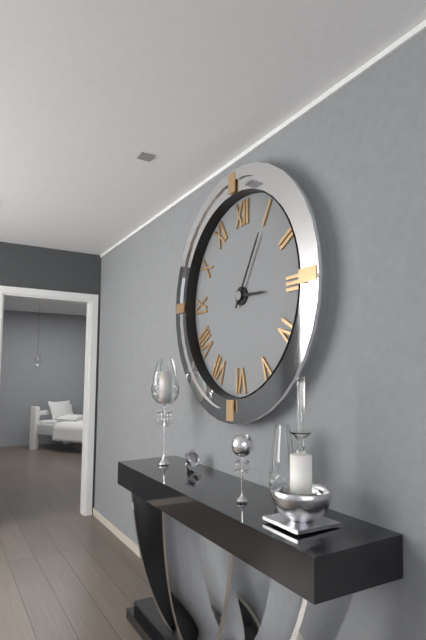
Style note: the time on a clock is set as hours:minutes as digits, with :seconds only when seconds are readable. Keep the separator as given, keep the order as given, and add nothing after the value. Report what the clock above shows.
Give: 3:05
